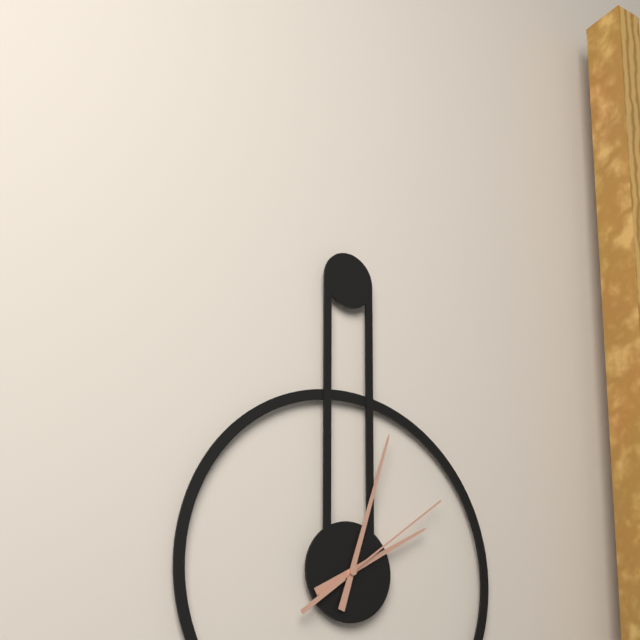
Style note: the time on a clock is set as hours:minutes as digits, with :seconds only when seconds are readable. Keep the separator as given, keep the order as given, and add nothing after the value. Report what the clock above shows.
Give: 2:03:09
